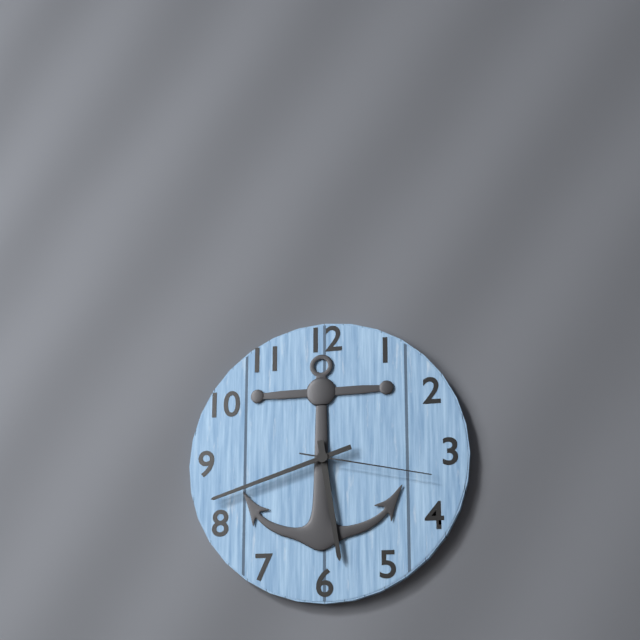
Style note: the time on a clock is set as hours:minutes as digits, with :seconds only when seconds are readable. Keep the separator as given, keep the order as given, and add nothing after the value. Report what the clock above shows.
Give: 5:42:17
